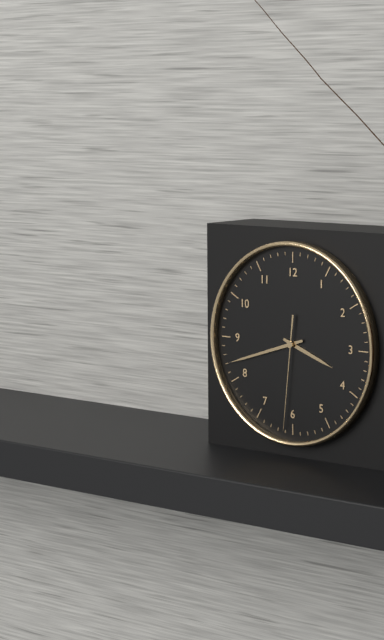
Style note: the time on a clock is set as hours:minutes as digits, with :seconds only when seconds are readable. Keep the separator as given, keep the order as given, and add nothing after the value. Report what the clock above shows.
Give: 3:42:31
